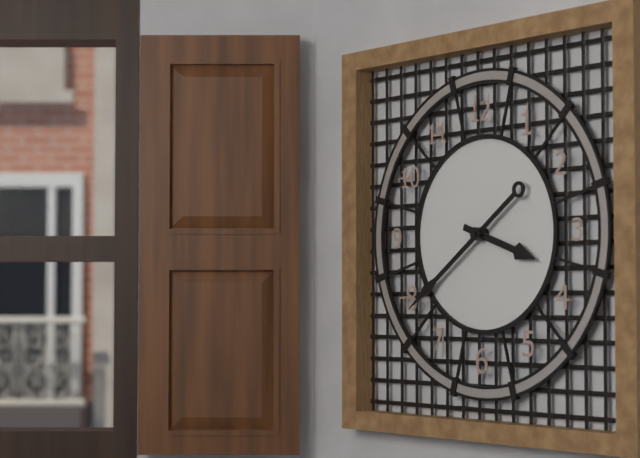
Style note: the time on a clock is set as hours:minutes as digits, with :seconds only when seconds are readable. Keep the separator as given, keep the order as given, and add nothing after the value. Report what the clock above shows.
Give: 3:39
